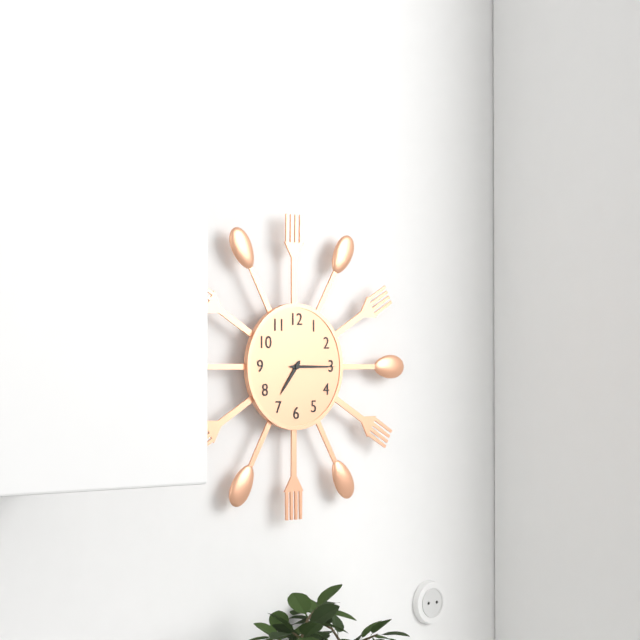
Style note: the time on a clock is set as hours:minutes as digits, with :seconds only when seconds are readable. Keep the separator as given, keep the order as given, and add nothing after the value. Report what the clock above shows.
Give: 7:15
